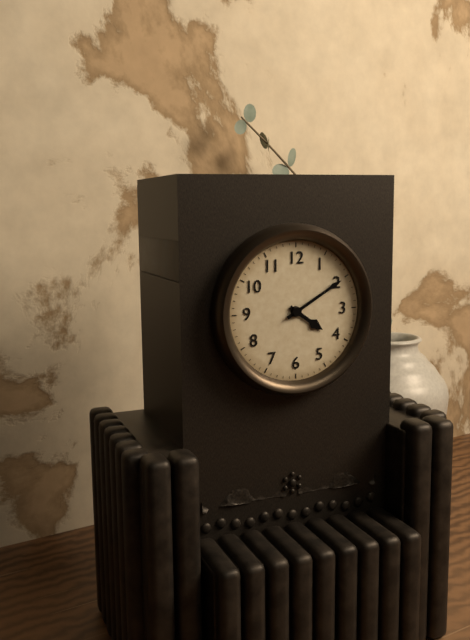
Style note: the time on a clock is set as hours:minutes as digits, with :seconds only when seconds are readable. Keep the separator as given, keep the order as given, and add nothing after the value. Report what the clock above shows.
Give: 4:10
